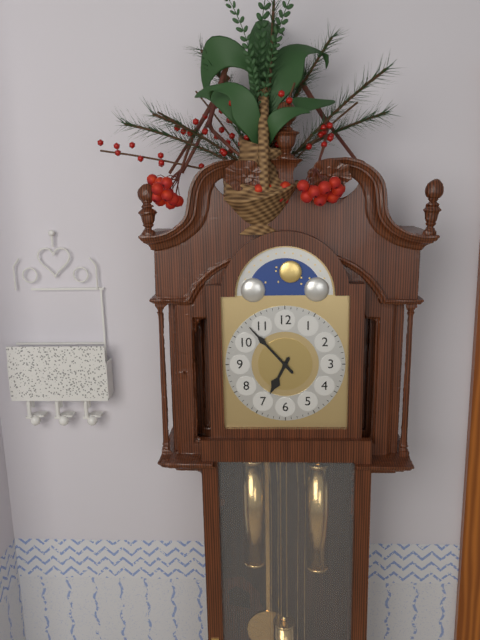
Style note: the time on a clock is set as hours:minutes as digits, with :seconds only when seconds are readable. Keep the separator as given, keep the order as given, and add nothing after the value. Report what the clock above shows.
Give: 6:53
